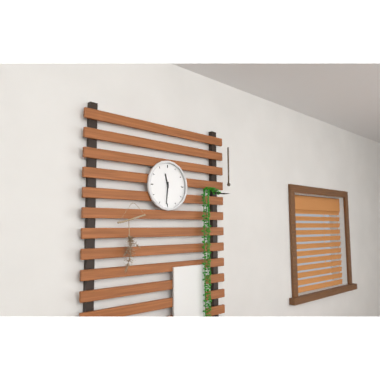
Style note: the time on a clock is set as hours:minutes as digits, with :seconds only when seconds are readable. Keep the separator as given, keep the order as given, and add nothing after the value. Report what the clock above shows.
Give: 11:31
